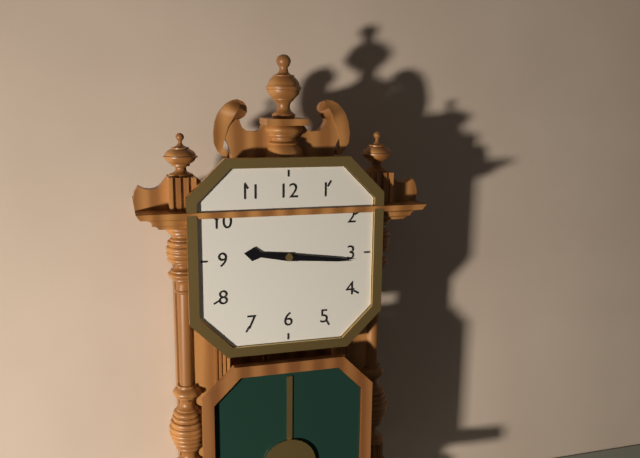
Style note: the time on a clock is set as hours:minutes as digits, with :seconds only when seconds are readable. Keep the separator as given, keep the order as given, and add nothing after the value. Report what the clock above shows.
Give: 9:16
